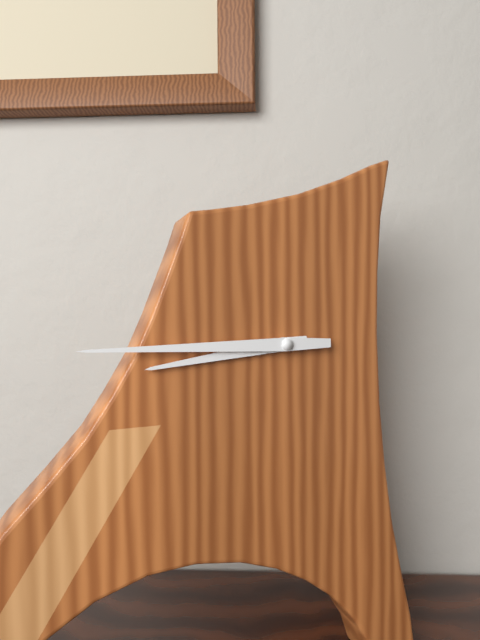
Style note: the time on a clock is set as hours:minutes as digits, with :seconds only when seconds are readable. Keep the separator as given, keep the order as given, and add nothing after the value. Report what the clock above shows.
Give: 8:45
